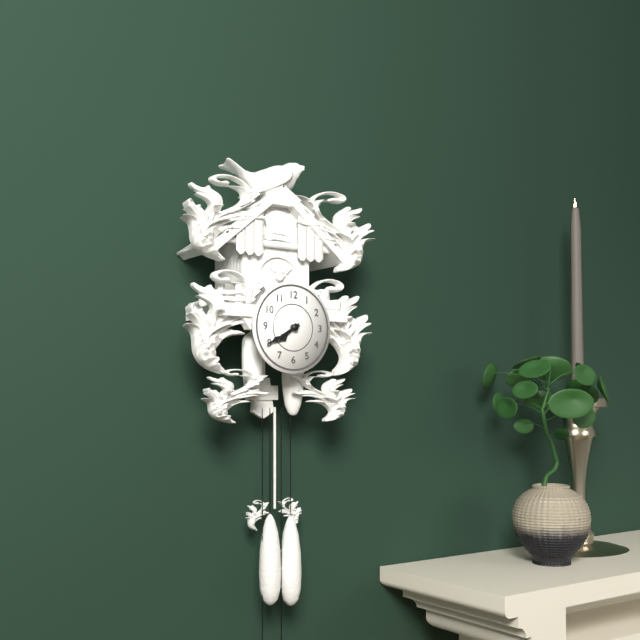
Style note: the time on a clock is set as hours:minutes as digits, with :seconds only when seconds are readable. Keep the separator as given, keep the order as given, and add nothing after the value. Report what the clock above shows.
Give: 7:40
